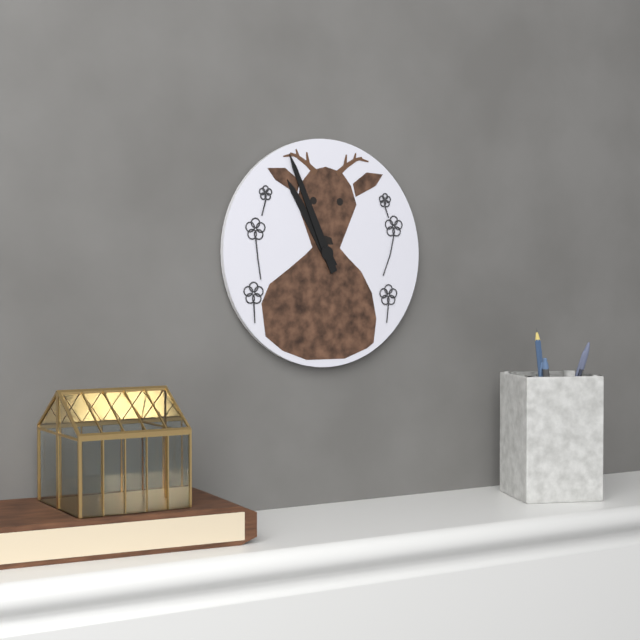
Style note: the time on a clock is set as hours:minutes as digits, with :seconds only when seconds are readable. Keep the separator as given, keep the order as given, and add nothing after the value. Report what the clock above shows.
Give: 10:56
